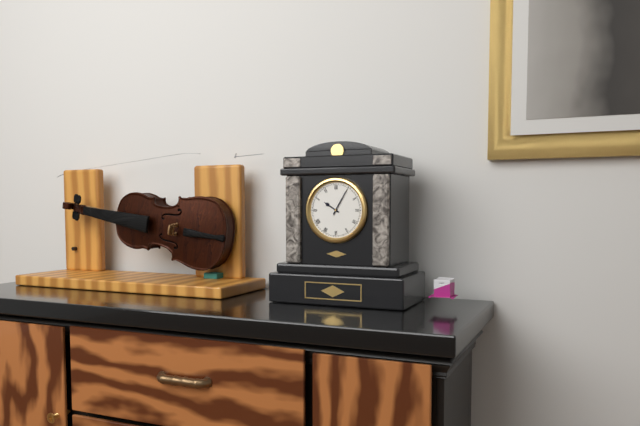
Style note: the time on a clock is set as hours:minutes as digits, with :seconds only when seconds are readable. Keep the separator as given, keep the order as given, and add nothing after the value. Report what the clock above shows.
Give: 10:05
